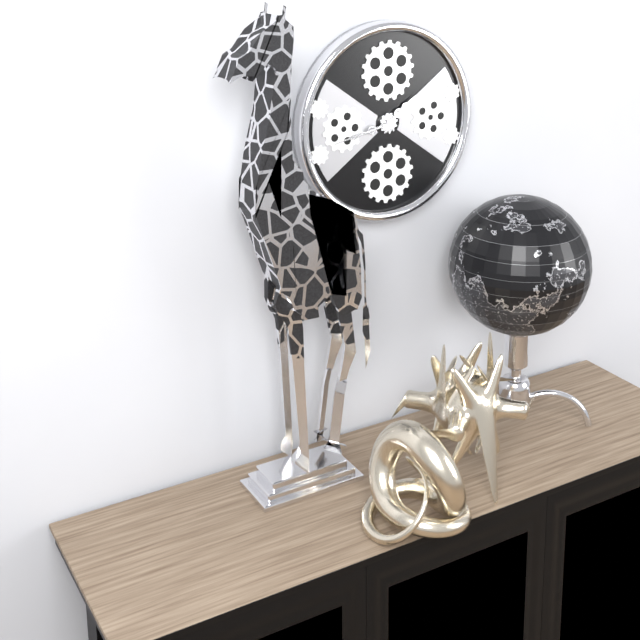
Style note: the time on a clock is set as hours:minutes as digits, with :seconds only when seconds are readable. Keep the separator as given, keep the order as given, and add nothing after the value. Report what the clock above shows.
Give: 1:43
